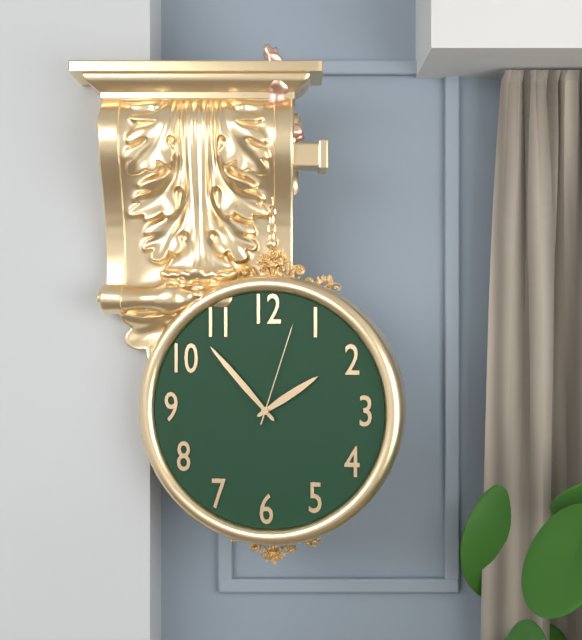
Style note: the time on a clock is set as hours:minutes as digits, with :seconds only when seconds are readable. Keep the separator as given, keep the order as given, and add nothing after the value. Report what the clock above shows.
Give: 1:53:03
